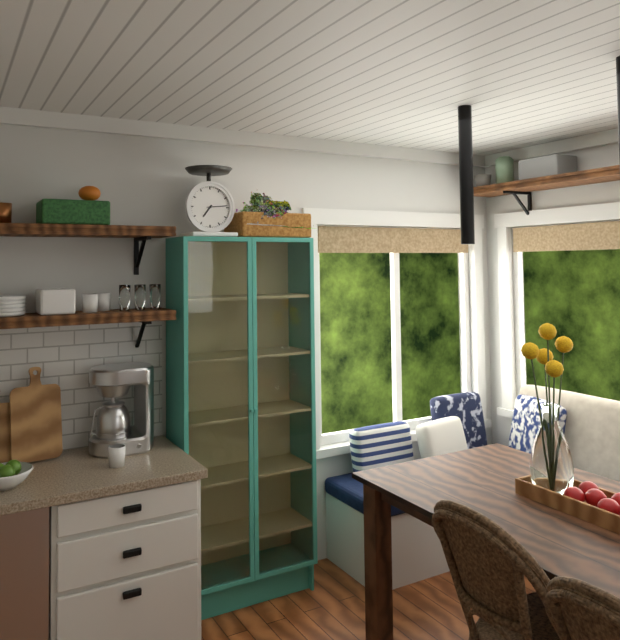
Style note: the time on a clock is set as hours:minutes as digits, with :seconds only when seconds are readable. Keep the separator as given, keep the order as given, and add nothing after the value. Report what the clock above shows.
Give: 7:14
